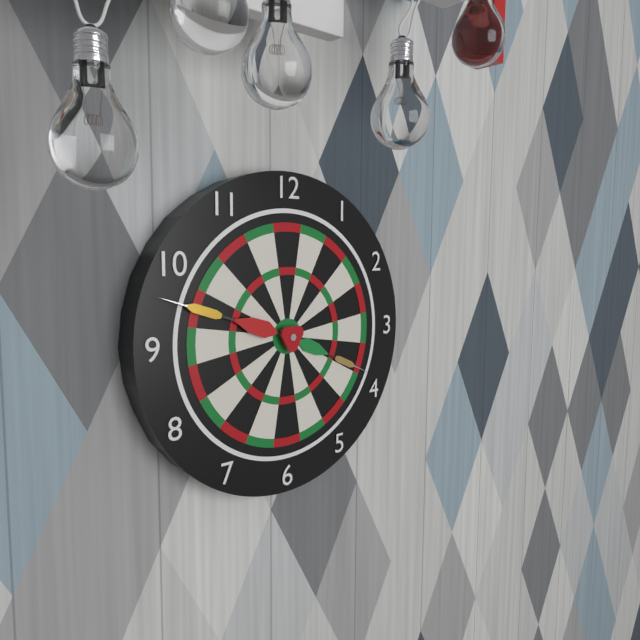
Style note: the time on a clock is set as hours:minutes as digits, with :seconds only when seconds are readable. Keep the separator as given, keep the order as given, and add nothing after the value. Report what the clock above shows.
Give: 3:48
